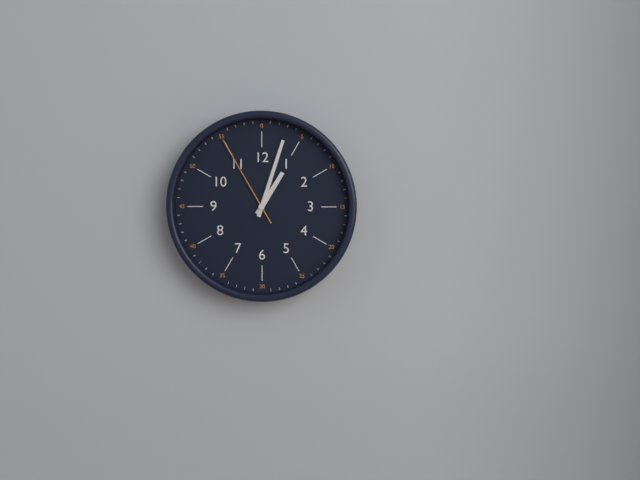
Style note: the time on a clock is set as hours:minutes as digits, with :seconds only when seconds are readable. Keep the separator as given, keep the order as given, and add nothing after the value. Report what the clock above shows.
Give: 1:03:55
